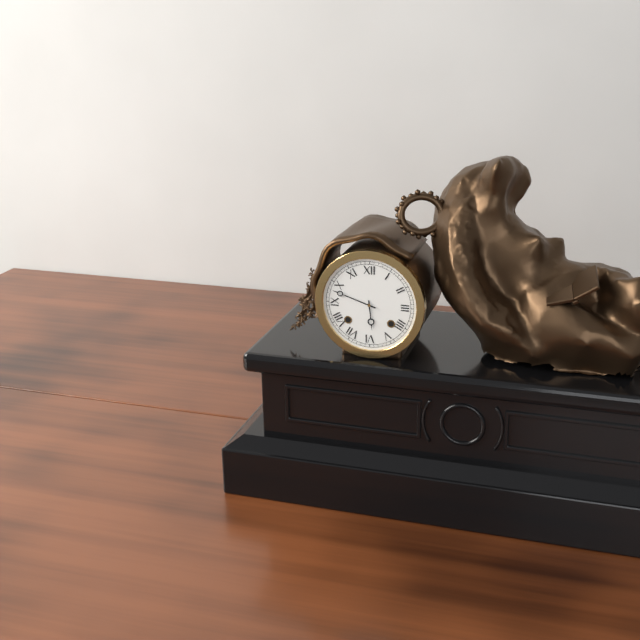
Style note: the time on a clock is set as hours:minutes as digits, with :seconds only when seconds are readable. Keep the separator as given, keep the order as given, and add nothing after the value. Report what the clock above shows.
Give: 5:48
